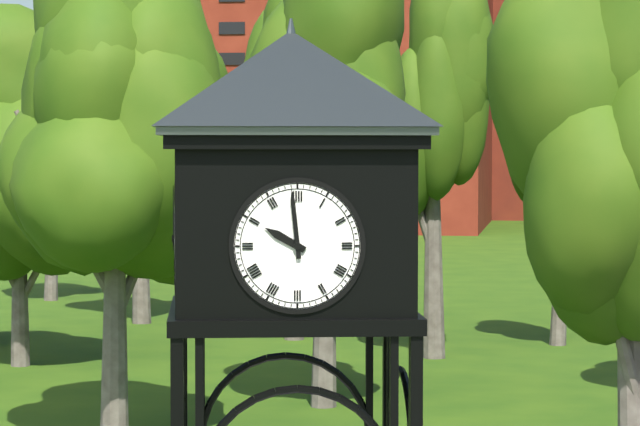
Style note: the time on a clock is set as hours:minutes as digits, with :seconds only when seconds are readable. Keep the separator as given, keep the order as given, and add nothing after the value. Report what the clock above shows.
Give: 9:59
